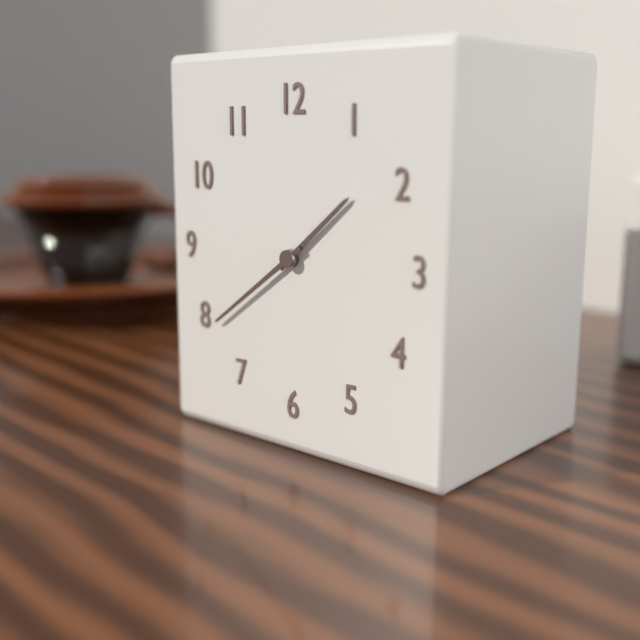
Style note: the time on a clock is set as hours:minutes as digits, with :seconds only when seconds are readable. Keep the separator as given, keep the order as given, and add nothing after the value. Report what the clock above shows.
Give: 1:39
